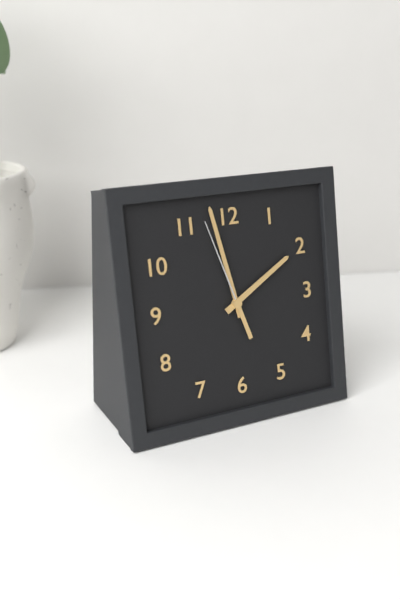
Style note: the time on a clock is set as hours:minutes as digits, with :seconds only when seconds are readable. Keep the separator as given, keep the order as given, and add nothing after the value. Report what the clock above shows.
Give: 1:58:57
